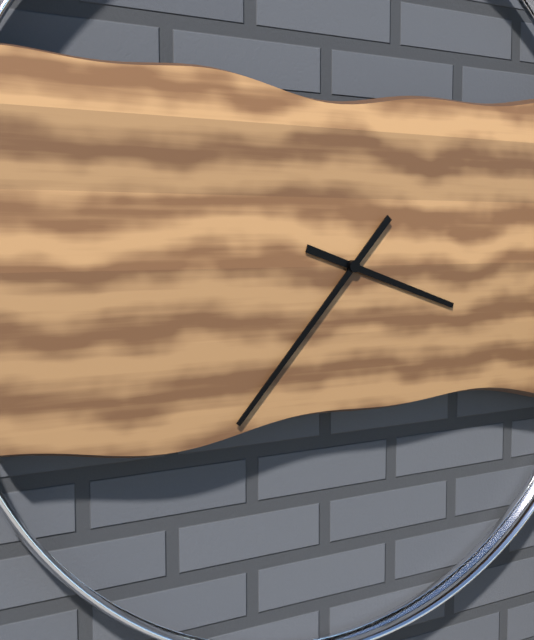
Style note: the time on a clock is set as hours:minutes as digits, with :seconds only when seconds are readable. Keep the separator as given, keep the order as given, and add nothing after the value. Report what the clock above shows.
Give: 3:37
